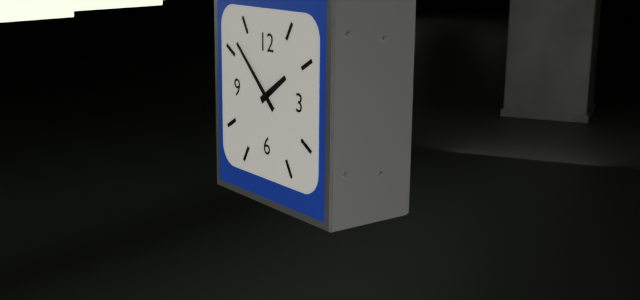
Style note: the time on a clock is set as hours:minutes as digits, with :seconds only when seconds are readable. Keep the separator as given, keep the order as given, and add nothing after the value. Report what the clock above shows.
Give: 1:52
